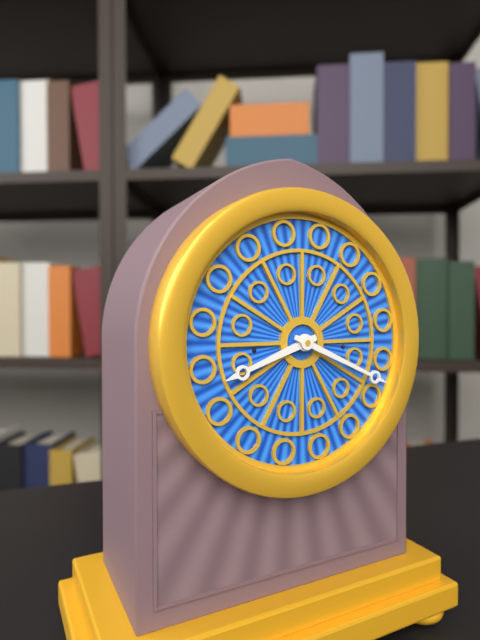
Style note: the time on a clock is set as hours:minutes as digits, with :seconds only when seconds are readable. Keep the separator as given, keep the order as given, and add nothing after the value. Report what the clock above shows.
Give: 8:19
